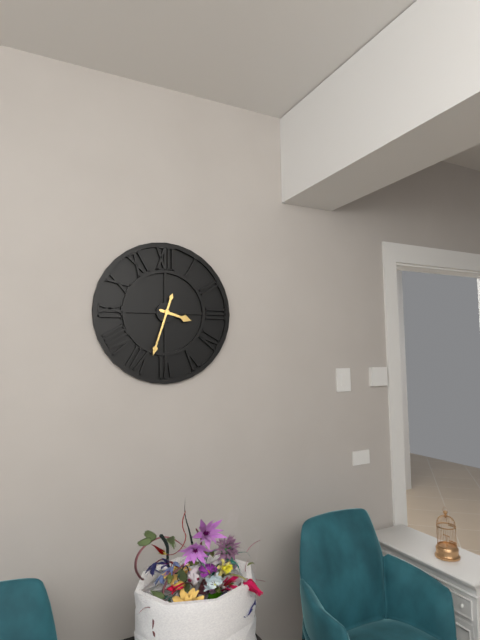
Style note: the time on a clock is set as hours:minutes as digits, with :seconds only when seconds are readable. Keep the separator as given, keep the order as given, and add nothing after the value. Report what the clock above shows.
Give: 3:33
